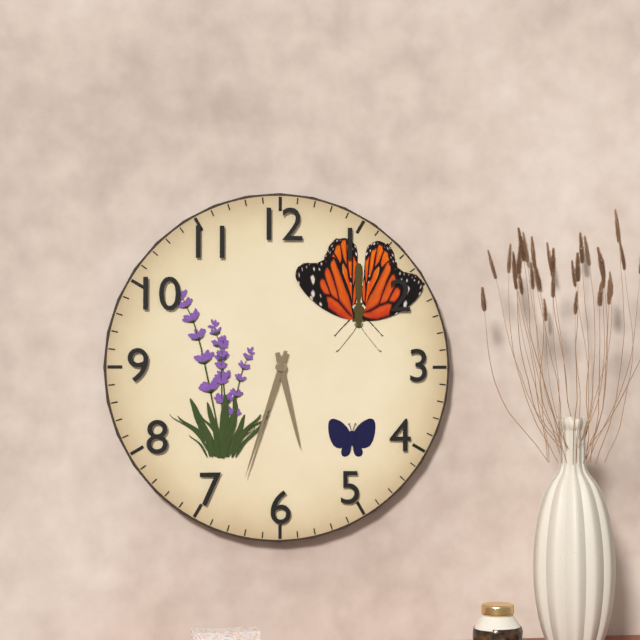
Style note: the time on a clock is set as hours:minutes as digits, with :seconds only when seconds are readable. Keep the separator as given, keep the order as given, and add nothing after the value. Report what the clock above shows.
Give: 5:33
